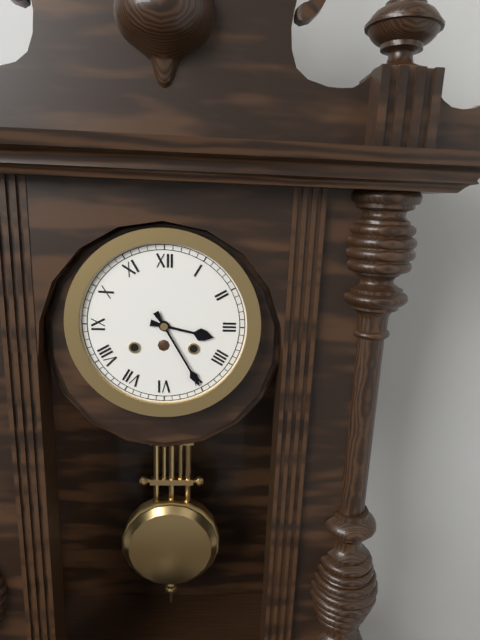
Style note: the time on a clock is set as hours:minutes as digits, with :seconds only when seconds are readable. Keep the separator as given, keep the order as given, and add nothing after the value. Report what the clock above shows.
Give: 3:25
